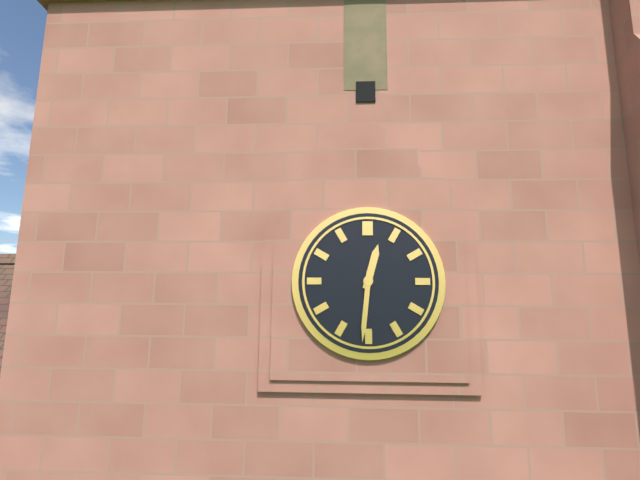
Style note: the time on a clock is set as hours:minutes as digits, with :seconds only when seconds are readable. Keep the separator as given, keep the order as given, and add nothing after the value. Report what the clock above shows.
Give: 12:31
